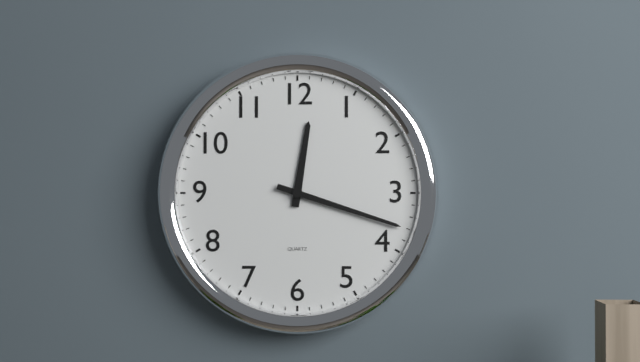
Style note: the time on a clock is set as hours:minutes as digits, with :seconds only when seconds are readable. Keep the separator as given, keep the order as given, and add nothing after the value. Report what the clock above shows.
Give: 12:18
